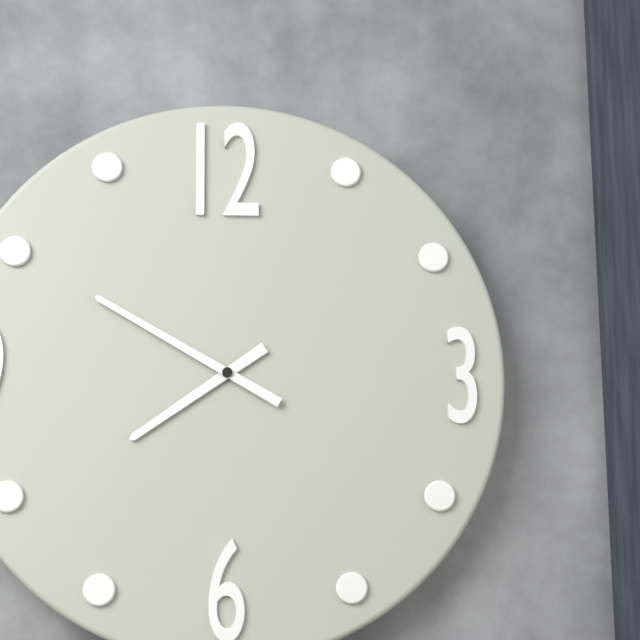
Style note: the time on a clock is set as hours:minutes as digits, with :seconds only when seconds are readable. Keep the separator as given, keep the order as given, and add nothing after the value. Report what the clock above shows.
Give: 7:50
